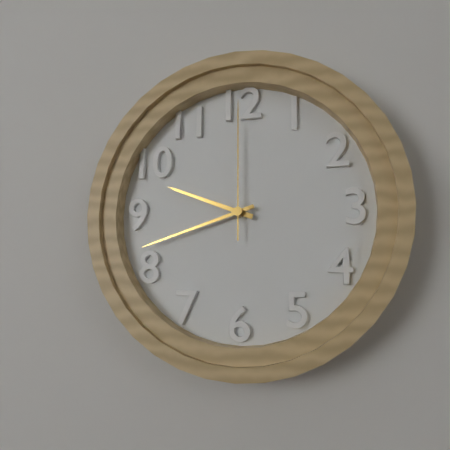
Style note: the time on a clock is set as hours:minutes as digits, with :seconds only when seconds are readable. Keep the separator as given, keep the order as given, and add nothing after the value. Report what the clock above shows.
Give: 9:42:00
